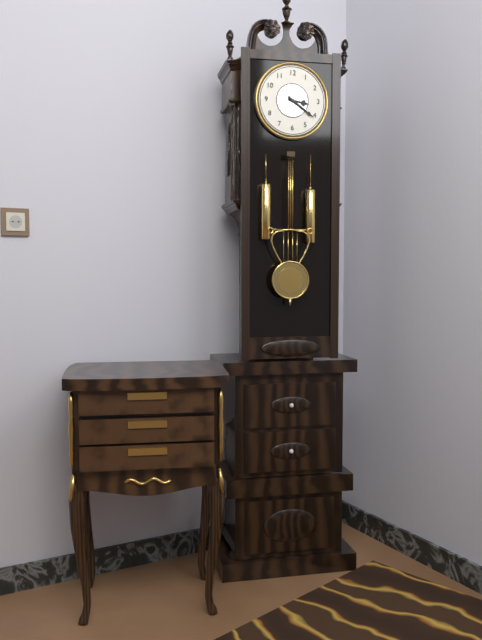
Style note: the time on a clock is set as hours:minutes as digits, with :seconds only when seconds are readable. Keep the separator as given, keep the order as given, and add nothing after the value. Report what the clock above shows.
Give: 3:21
